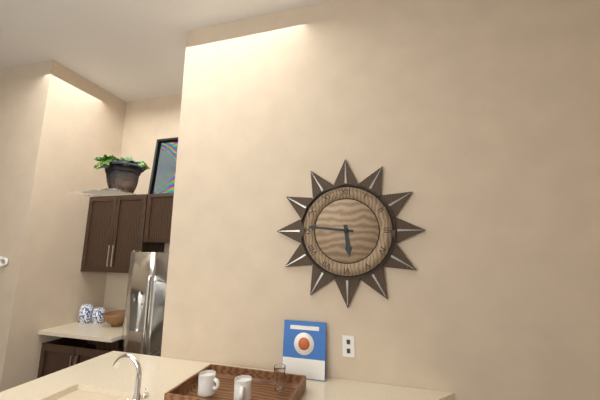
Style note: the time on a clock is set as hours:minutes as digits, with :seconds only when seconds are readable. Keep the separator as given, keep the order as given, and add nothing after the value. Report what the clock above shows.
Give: 5:46
